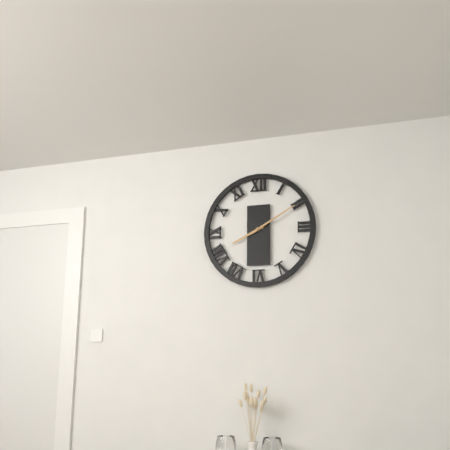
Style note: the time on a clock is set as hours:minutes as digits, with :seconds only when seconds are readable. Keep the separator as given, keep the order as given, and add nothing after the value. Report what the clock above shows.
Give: 8:10
